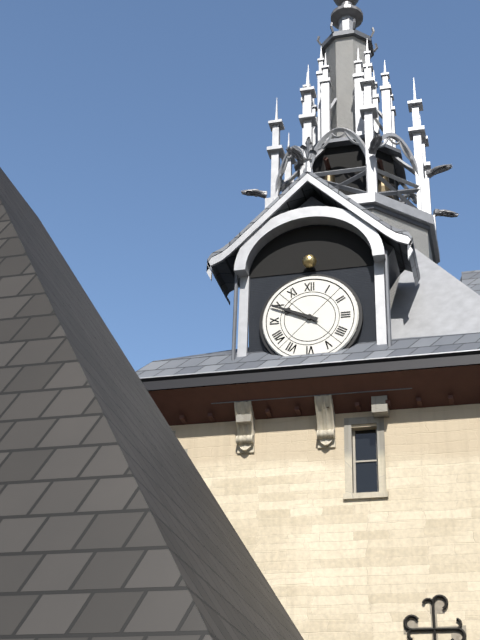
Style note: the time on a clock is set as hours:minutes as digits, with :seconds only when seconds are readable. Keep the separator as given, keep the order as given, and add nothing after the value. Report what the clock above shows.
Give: 9:49
